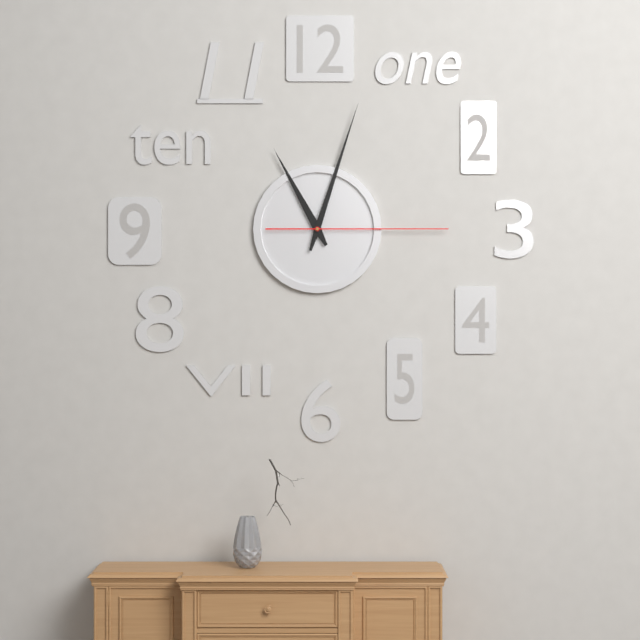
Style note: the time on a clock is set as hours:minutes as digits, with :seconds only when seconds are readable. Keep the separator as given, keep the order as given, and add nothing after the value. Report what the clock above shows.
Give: 11:03:15
